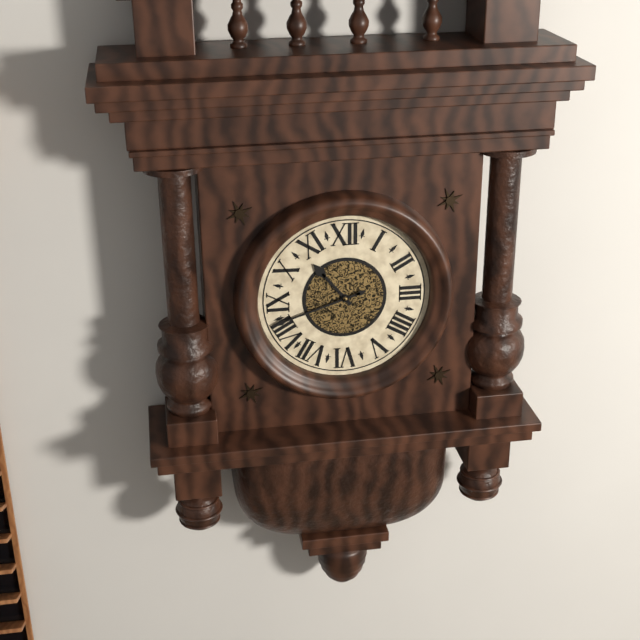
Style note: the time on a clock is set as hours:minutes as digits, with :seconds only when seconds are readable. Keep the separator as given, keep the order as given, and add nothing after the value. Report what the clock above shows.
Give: 10:42
